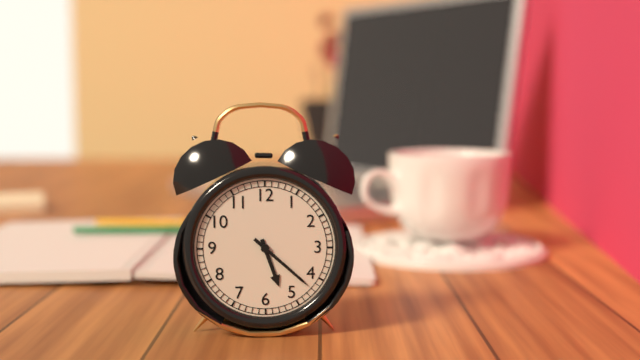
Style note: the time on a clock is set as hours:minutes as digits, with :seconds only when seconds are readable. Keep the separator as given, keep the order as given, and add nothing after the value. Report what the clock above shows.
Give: 5:22
